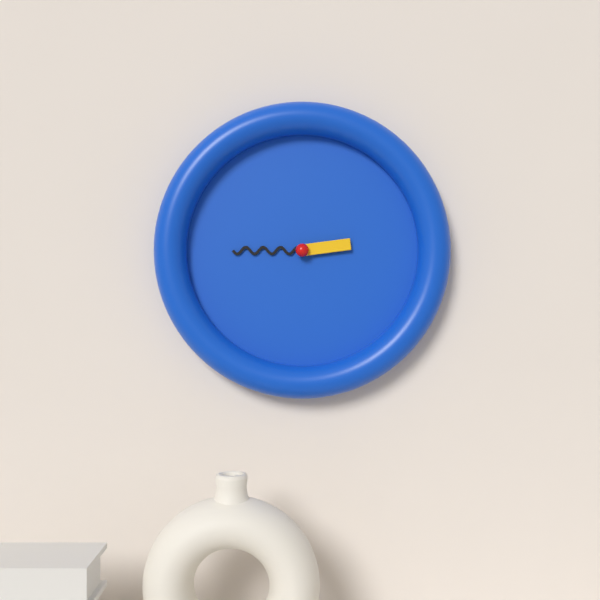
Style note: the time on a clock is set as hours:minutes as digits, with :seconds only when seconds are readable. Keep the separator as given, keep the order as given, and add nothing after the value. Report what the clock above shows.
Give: 2:45
